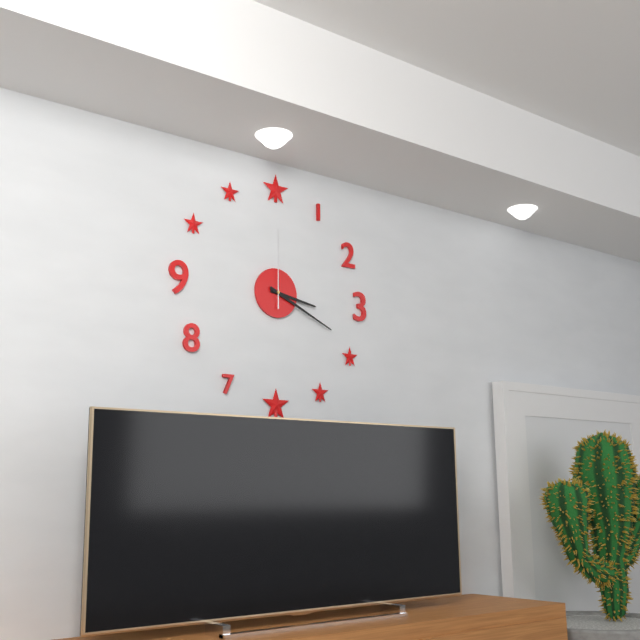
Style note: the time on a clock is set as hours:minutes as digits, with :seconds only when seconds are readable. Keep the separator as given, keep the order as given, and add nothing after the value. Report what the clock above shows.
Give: 3:19:00
